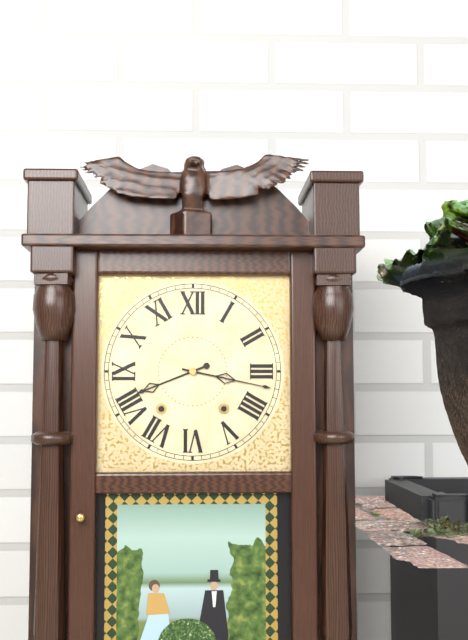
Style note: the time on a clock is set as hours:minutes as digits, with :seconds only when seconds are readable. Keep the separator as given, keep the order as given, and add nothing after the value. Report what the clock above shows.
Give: 8:17
